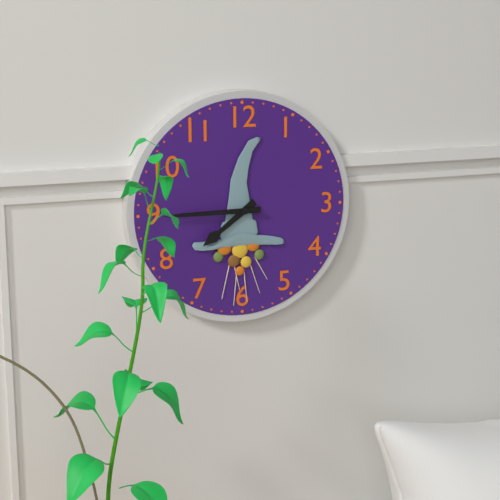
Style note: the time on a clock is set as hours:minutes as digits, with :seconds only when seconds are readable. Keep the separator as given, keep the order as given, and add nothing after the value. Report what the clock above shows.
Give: 7:45
